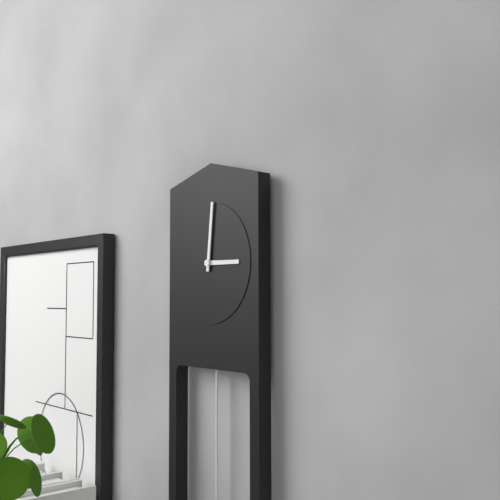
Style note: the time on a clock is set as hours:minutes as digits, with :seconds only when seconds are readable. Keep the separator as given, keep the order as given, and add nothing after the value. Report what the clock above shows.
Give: 3:01
